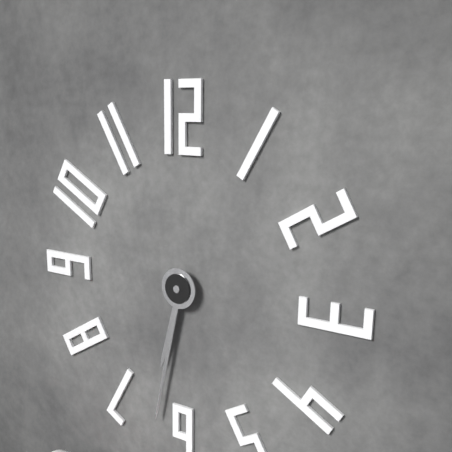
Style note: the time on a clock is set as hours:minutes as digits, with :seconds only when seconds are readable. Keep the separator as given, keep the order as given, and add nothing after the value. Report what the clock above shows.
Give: 6:32
